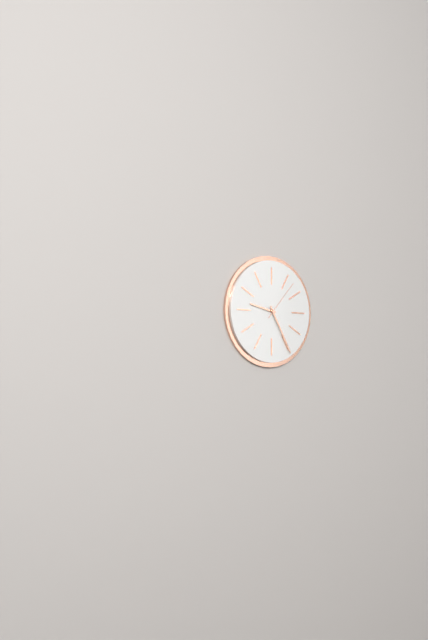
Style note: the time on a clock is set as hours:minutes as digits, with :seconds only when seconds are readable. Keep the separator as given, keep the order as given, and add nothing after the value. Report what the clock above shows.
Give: 9:25
